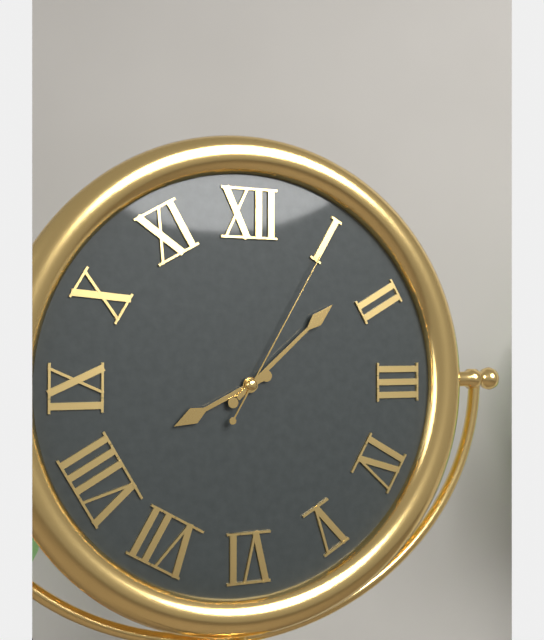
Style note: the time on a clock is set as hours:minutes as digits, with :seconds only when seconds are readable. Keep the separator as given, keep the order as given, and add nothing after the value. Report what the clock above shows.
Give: 8:08:05
